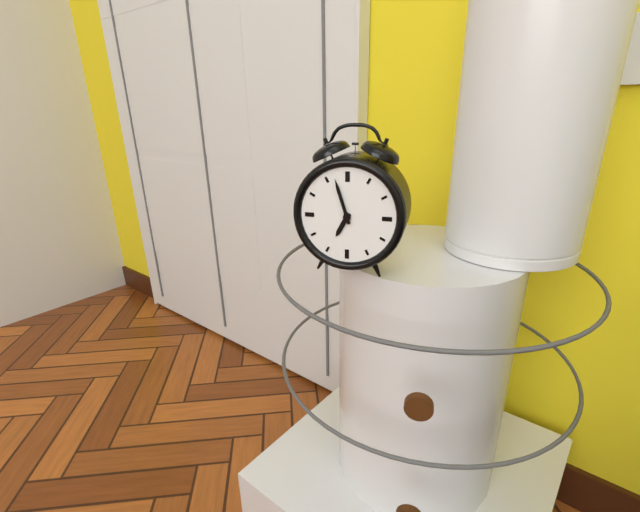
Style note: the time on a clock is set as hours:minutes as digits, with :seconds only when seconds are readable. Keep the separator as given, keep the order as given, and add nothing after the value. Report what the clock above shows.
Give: 6:57
